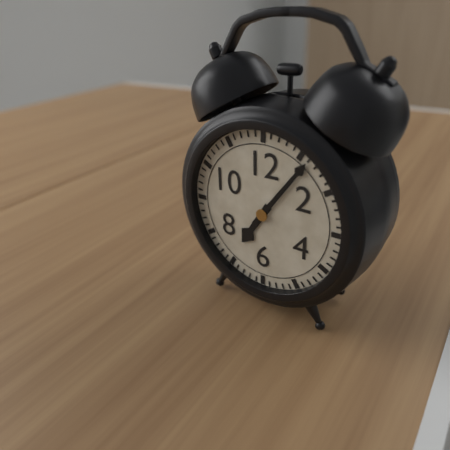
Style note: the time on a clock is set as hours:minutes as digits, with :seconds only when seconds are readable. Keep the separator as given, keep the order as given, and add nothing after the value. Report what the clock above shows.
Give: 7:06
